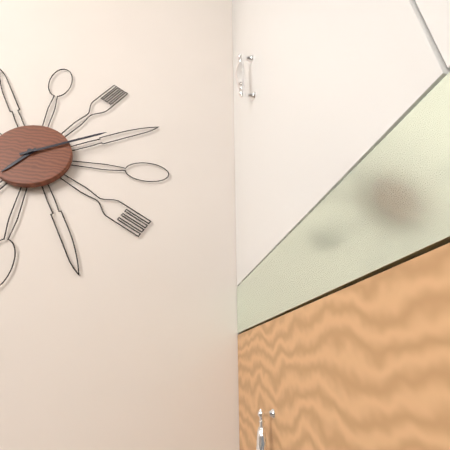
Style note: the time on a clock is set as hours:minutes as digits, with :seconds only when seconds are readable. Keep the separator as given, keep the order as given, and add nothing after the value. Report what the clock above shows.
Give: 7:10
